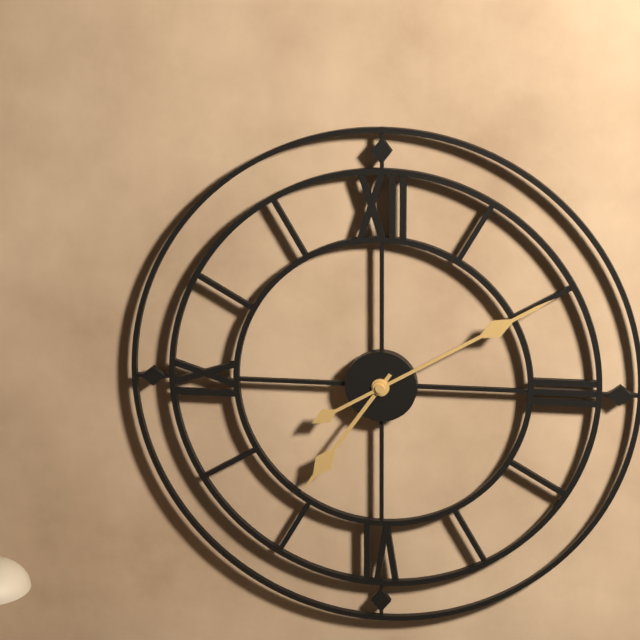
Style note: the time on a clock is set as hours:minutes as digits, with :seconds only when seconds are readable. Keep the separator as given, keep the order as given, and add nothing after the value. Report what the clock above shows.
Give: 7:10
